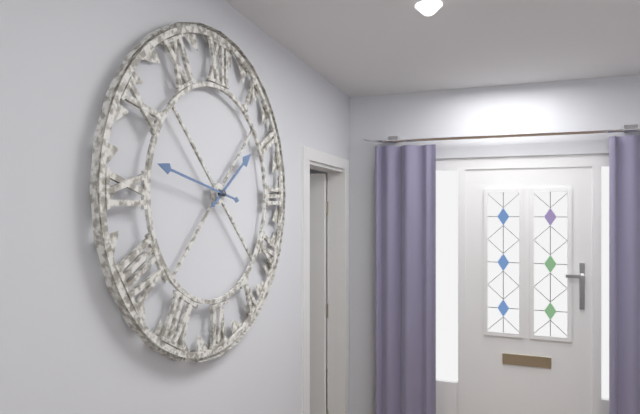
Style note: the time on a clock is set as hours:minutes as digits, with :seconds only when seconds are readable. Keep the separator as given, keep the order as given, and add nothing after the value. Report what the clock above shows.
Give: 1:47
